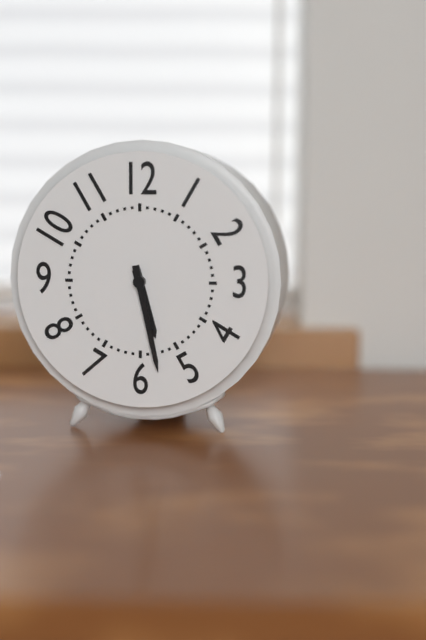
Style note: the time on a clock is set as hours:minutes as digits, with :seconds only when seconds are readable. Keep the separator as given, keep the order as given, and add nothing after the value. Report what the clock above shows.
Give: 5:28
